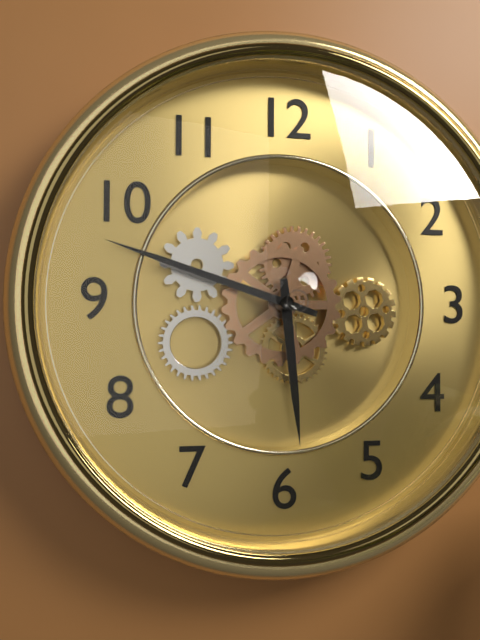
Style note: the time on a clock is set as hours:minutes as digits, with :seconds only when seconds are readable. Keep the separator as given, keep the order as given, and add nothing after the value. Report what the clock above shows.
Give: 5:48
